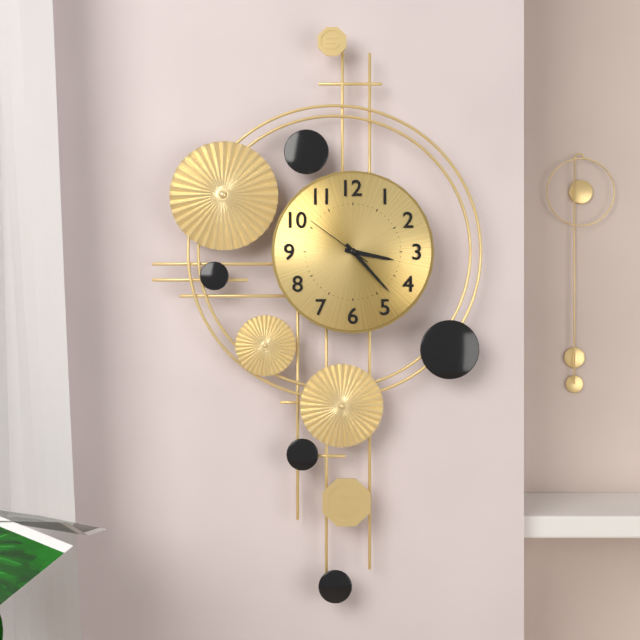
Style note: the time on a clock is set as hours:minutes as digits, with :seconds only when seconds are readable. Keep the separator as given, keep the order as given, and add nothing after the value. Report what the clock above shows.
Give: 3:23:51
